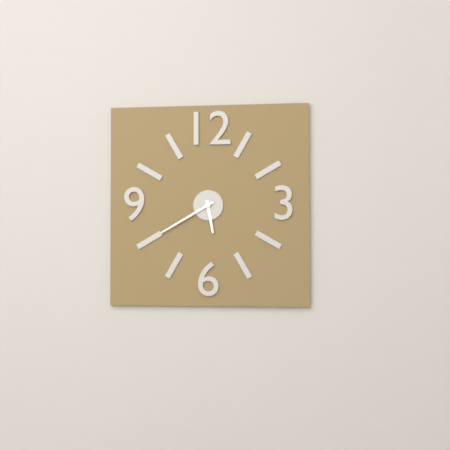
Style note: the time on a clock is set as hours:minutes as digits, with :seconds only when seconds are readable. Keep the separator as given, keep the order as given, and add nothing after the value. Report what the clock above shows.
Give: 5:40
